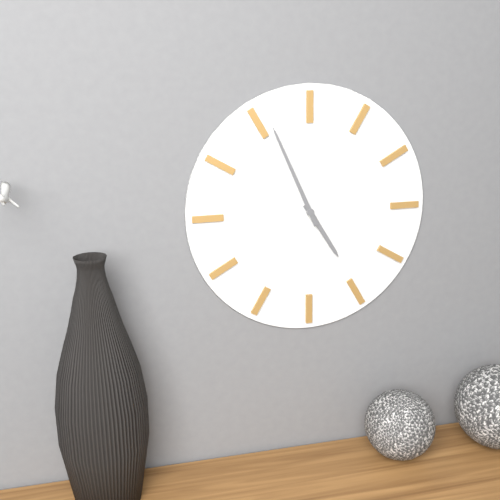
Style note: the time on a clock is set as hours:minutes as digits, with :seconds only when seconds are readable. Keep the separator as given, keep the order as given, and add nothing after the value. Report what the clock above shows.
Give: 4:56
